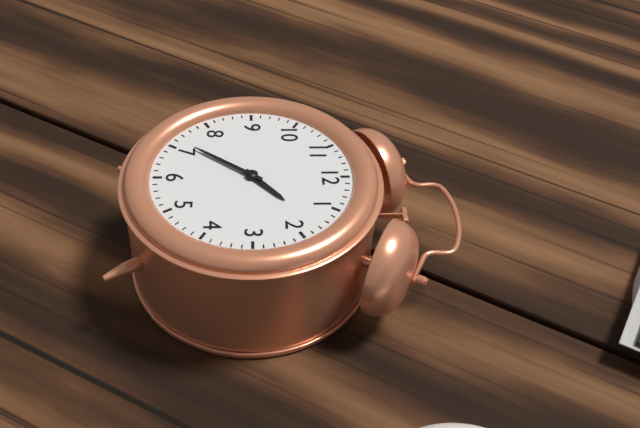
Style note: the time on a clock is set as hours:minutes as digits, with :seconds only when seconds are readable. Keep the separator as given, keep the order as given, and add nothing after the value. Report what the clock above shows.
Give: 1:36
